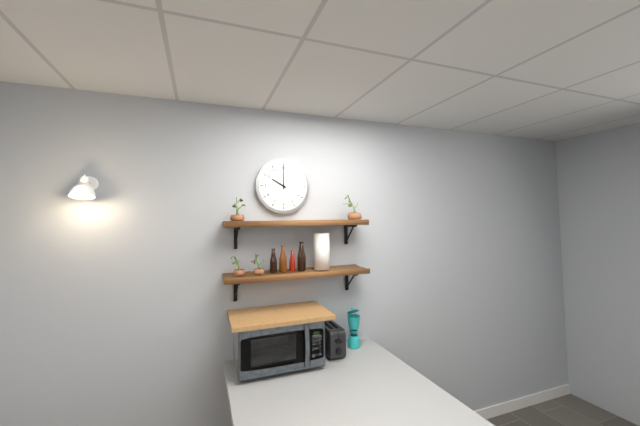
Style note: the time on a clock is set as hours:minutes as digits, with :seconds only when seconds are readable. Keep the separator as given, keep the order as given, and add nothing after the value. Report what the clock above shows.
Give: 10:00
